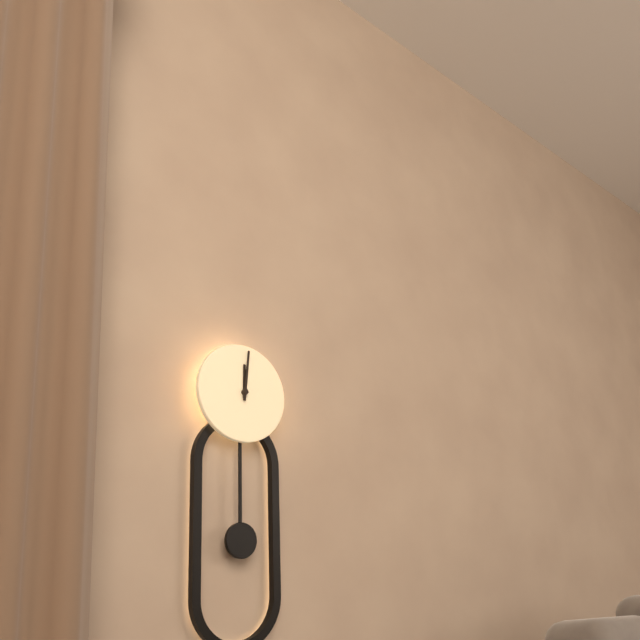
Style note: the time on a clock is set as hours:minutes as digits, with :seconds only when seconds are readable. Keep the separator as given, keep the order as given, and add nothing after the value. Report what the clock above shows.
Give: 12:01
